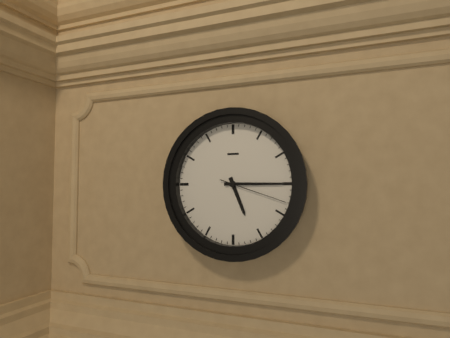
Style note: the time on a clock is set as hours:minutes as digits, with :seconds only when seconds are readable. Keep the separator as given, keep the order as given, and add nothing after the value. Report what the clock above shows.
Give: 5:15:18
